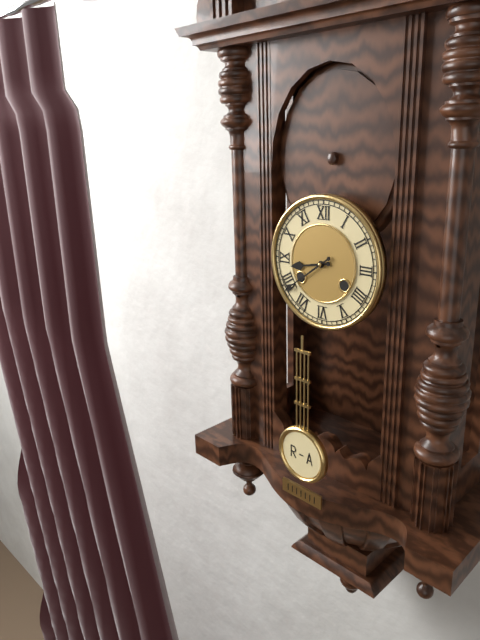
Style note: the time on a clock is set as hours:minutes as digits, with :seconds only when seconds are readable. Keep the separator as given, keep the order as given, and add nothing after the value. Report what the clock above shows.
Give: 8:39
